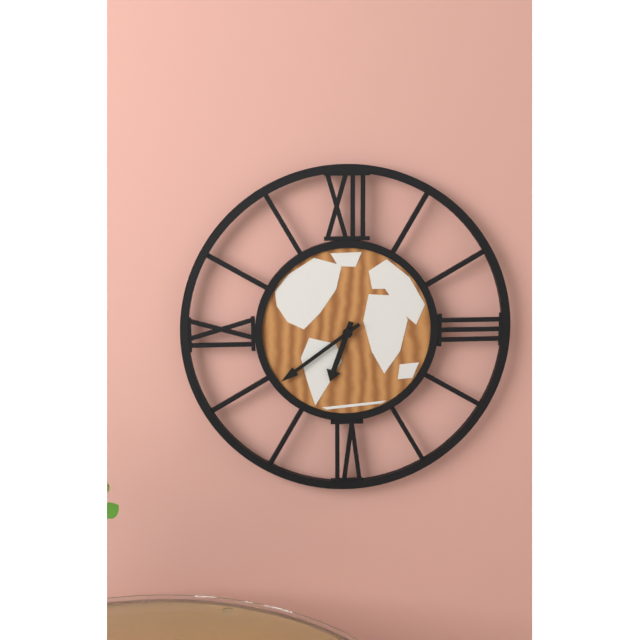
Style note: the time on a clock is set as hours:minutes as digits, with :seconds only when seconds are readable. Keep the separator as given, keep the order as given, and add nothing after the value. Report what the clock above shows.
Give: 6:39
